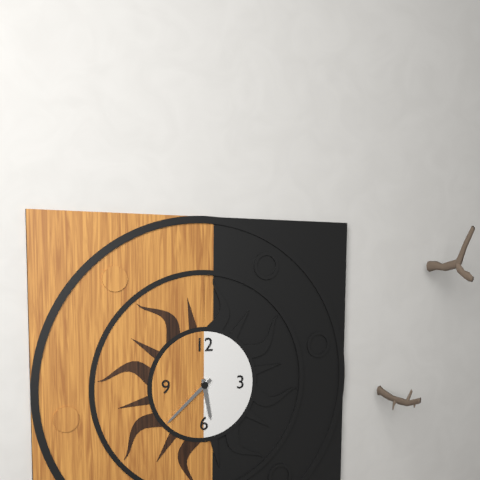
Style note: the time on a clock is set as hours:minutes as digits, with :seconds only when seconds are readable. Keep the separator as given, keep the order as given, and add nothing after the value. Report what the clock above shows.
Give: 5:38
